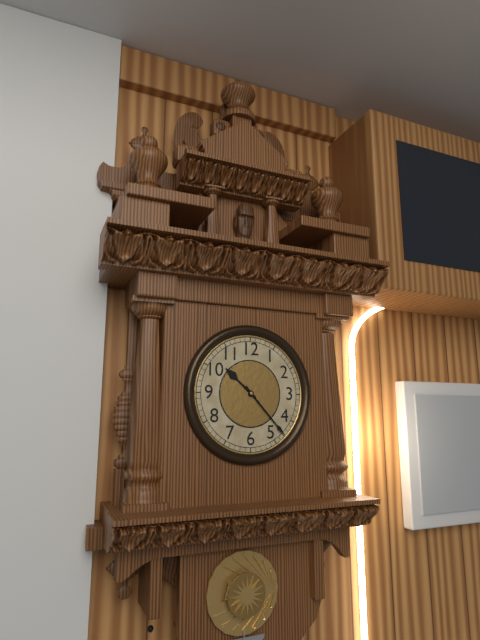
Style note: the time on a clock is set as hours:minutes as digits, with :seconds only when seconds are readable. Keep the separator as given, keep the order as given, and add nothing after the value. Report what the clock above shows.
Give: 10:23
